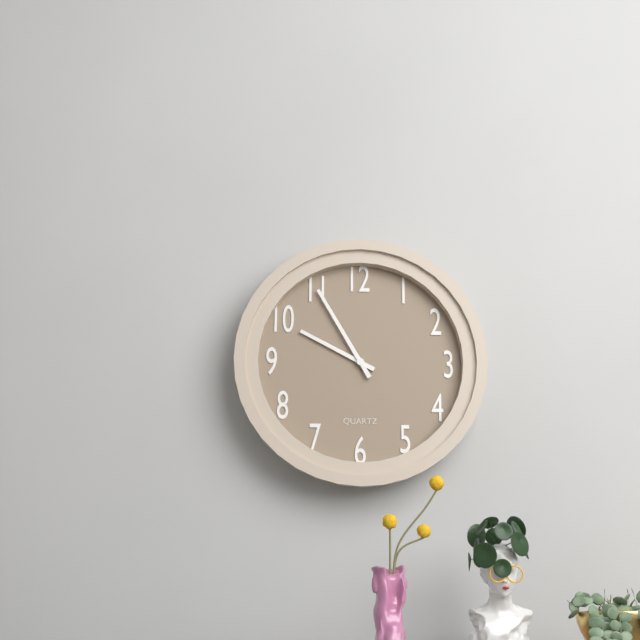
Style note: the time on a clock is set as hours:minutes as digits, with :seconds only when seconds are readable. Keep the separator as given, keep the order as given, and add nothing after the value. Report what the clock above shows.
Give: 9:55
